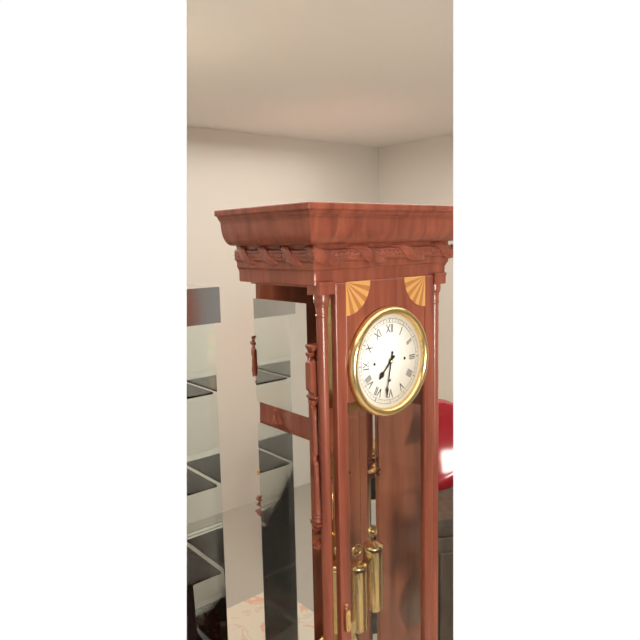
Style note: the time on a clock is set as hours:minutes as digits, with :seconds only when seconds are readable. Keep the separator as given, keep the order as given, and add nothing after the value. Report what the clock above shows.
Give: 7:32
